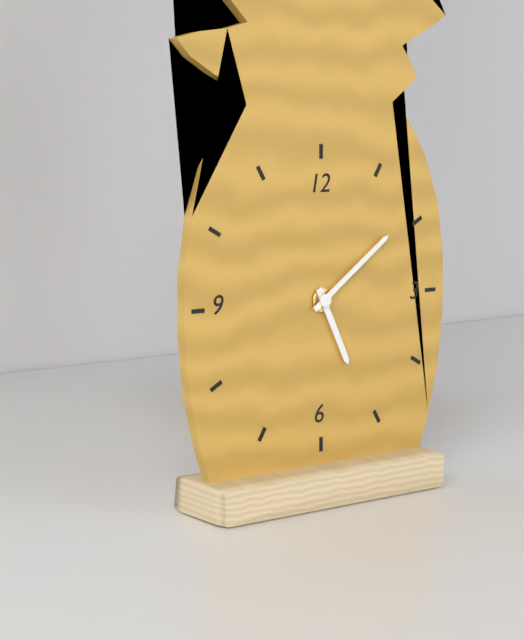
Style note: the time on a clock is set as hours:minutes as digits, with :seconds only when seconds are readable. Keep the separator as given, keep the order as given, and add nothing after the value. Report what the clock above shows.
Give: 5:09
